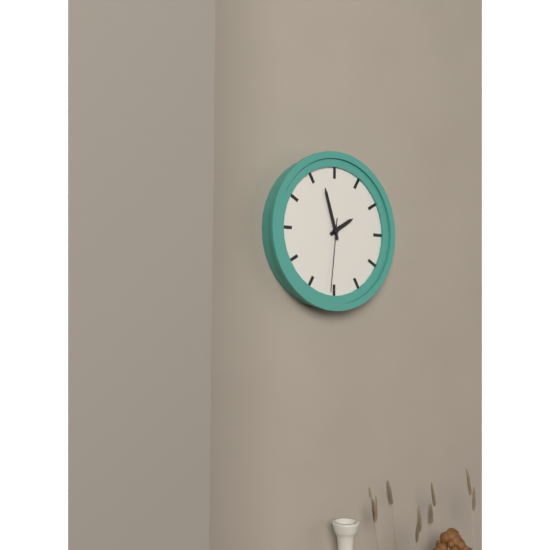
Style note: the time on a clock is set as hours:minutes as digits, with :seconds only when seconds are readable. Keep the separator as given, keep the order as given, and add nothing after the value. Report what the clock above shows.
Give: 1:57:31
